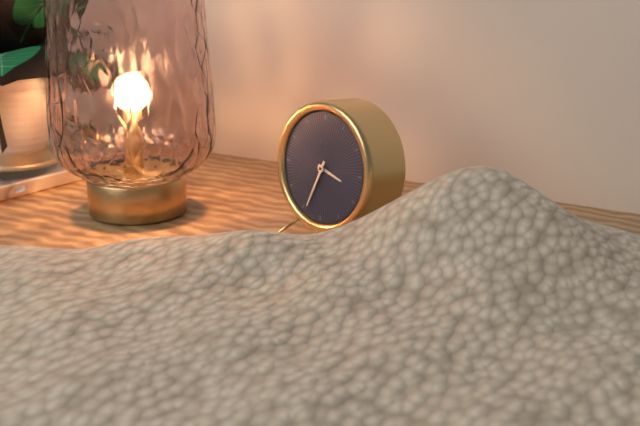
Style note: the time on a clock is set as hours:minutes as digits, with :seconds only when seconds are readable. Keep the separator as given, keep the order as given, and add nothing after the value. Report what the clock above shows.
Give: 3:34
